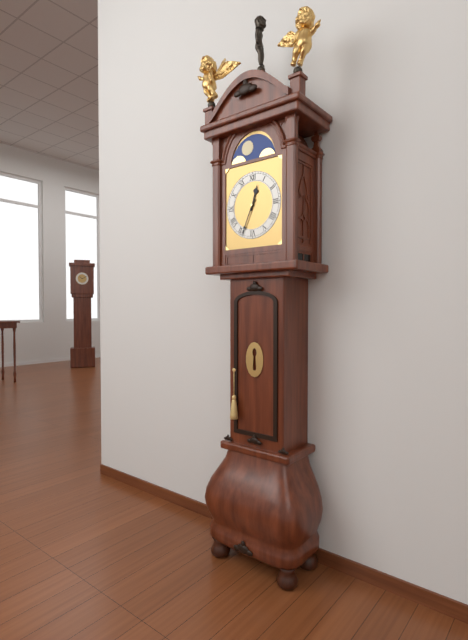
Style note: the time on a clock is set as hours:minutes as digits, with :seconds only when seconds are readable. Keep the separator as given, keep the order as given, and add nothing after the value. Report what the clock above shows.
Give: 12:34
